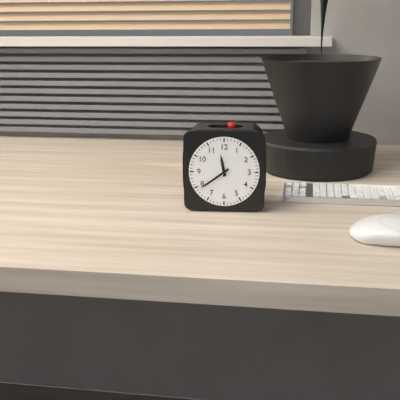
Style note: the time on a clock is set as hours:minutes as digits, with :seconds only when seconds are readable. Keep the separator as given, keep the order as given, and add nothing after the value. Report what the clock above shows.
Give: 11:39
